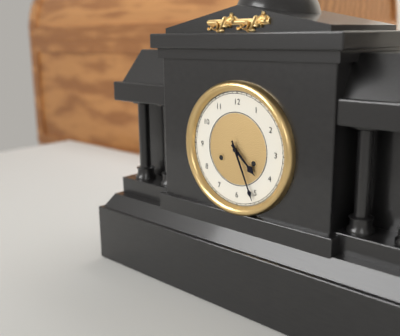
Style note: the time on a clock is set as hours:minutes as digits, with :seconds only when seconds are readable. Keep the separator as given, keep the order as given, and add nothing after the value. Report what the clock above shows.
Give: 4:26
